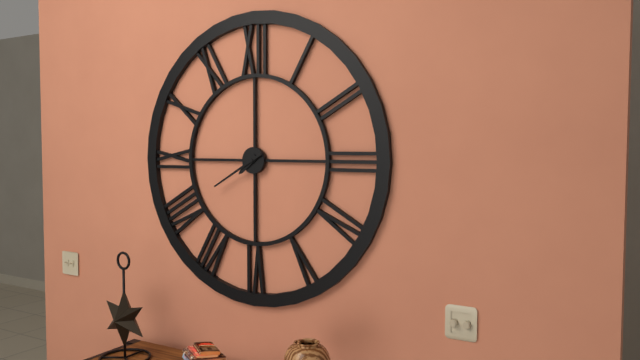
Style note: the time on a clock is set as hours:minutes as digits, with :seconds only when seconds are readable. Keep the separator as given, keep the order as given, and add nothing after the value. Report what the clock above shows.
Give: 7:40
